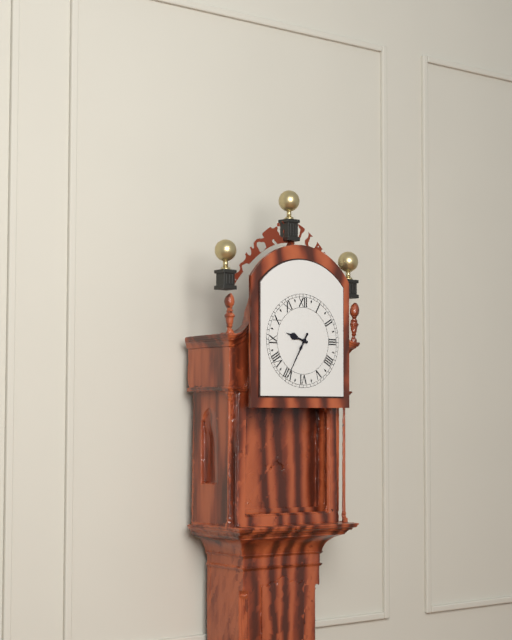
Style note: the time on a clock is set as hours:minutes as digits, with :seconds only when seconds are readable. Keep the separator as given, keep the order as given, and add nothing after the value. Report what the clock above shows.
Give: 9:35
